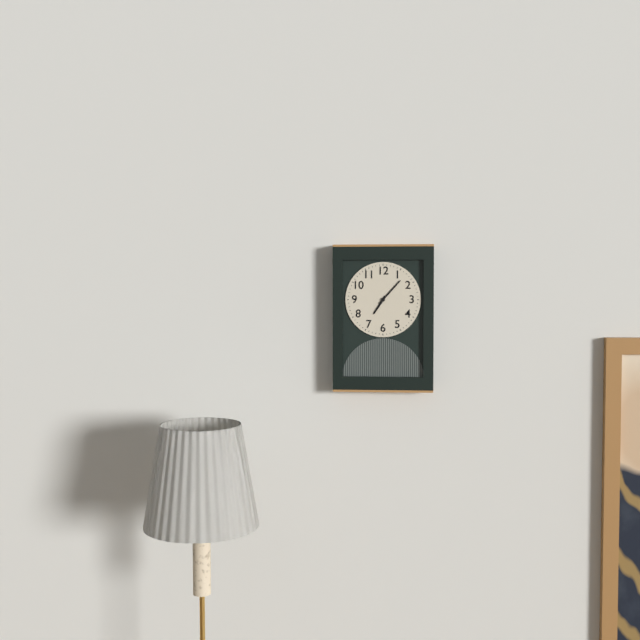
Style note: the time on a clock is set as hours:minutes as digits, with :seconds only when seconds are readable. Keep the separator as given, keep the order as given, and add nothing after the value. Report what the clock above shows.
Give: 7:07
